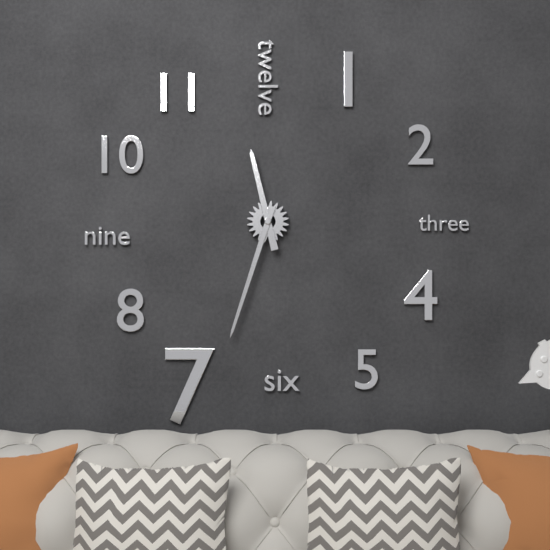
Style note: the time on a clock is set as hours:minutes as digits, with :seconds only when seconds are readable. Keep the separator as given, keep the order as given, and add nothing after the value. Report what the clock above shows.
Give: 11:33
